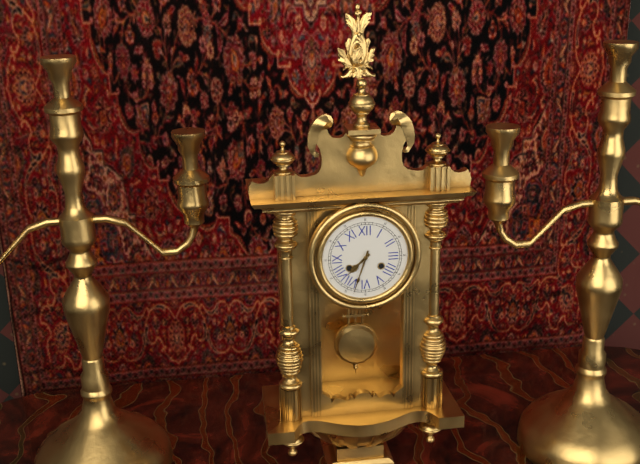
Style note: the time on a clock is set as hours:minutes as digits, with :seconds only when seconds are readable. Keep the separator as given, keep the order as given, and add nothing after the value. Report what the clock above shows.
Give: 7:33
